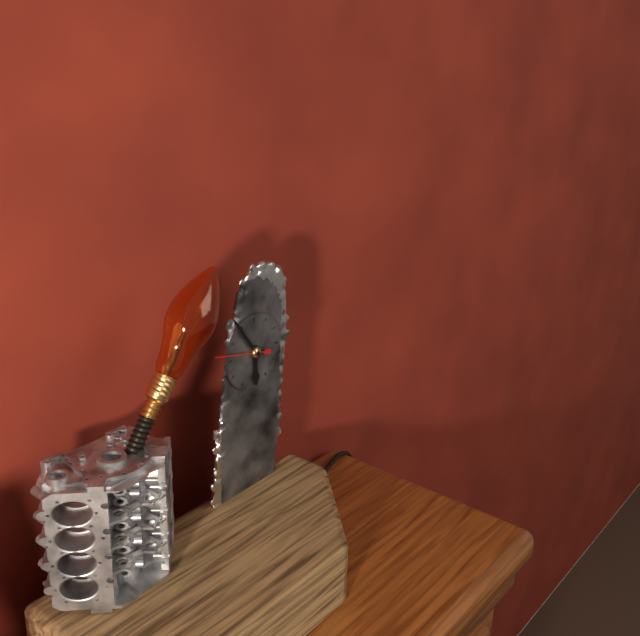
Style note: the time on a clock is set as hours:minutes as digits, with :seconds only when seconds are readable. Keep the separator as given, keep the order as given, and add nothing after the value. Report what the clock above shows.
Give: 5:54:47
